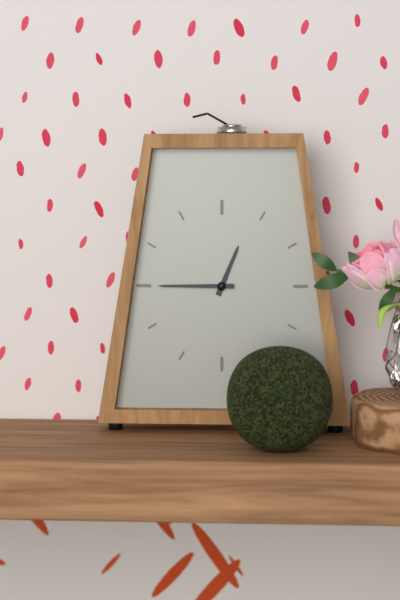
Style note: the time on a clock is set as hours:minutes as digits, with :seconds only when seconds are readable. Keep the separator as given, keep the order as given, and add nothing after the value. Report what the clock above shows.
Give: 12:45
